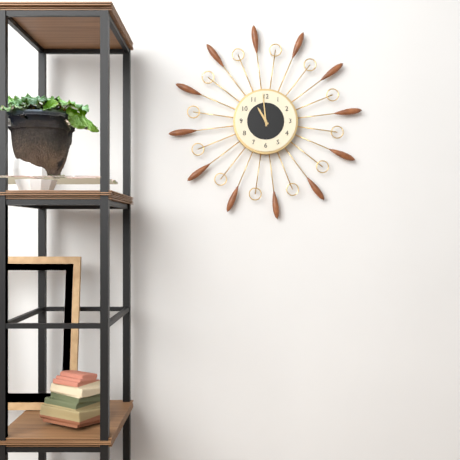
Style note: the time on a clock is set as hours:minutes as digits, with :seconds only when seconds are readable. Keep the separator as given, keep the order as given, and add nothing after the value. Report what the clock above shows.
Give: 10:59
